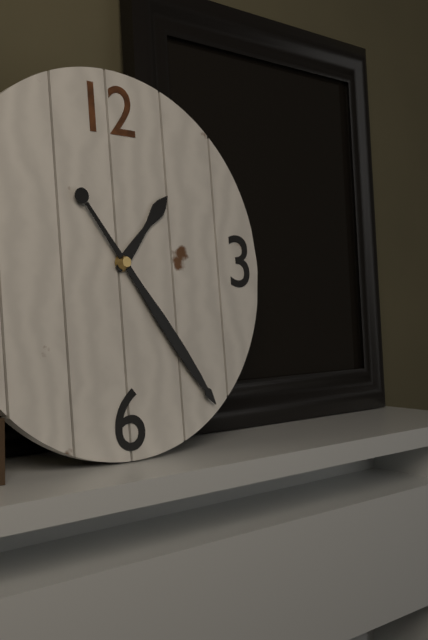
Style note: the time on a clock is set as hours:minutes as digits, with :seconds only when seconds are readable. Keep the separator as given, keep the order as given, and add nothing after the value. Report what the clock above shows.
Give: 1:24
